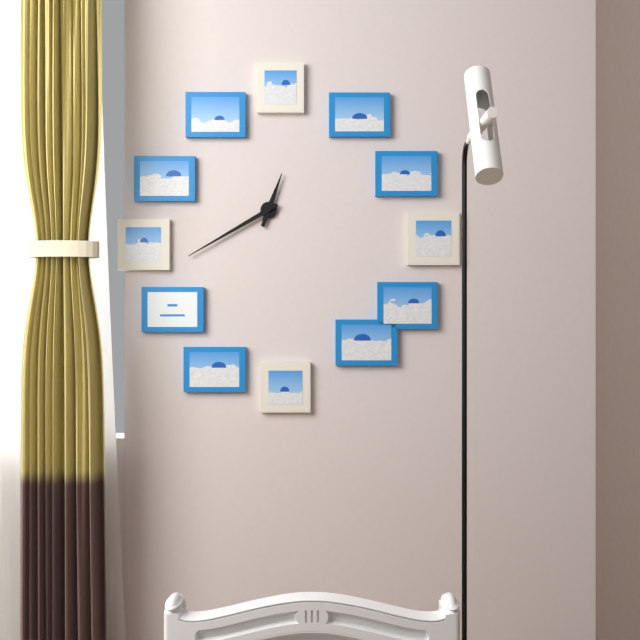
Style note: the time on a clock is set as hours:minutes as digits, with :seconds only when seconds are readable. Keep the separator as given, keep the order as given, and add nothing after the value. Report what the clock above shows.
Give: 12:40
